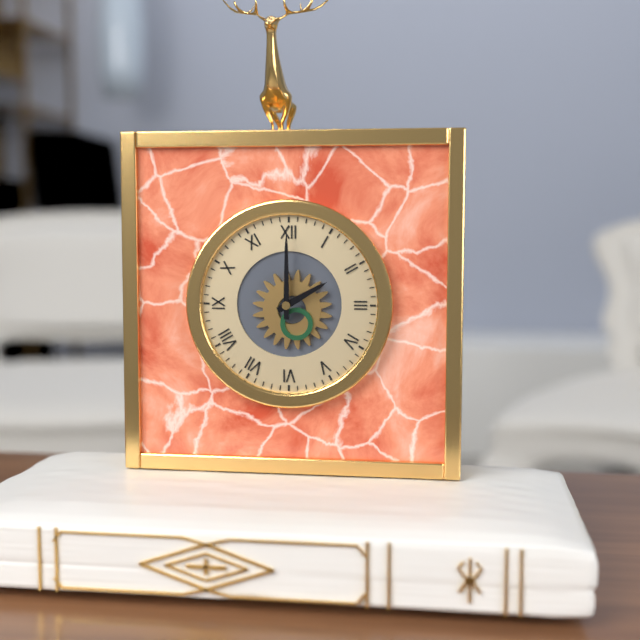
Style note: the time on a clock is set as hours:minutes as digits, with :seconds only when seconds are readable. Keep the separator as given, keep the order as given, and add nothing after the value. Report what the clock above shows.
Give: 2:00
